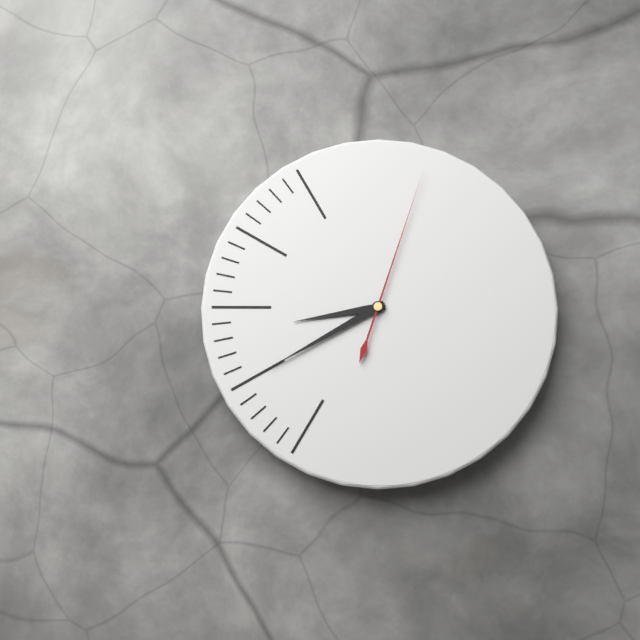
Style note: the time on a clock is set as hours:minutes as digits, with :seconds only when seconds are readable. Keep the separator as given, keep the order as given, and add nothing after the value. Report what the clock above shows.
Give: 8:40:03
